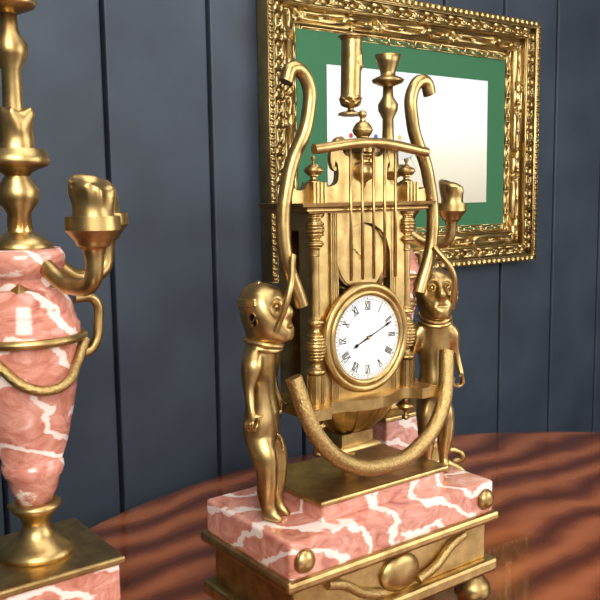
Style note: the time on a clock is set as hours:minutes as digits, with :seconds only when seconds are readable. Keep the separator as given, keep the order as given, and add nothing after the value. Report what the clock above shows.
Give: 8:11
